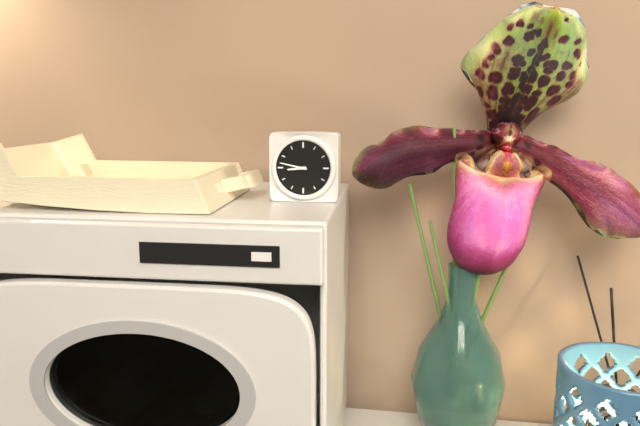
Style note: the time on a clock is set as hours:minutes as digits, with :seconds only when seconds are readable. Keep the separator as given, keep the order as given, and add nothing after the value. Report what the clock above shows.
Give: 8:47
